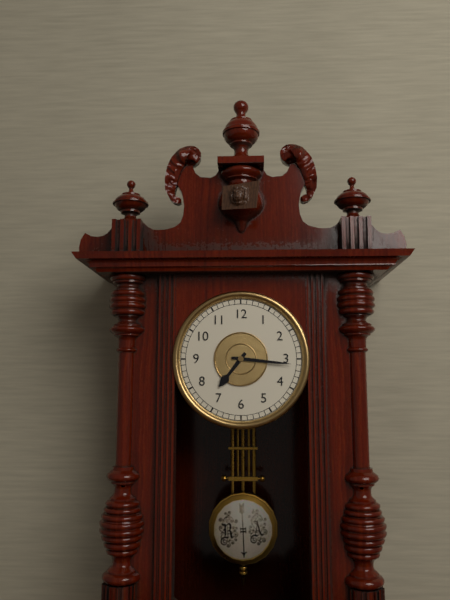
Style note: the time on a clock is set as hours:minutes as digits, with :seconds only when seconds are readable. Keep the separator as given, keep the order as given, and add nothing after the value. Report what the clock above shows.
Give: 7:16
